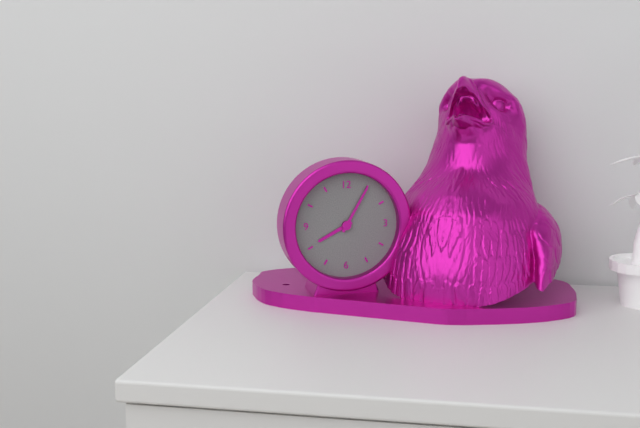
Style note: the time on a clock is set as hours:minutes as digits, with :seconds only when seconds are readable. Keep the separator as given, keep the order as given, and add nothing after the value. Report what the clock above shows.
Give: 8:05
